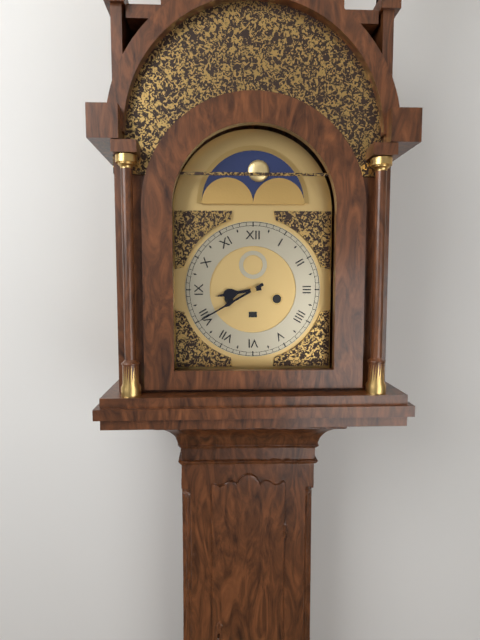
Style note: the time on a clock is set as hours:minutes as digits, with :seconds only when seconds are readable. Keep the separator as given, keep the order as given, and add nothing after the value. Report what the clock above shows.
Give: 8:40
